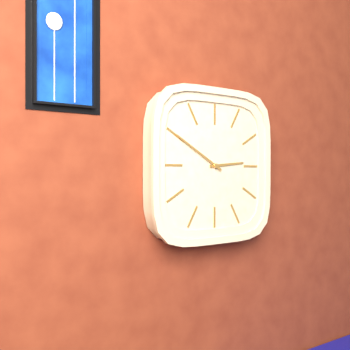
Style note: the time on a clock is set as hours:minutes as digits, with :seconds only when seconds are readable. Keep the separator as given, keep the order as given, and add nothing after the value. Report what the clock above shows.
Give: 2:50
